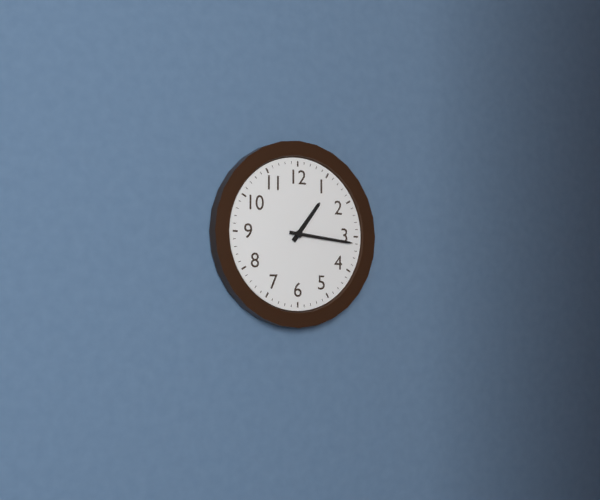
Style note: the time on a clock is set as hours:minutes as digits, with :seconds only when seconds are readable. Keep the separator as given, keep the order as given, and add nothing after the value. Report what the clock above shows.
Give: 1:16
